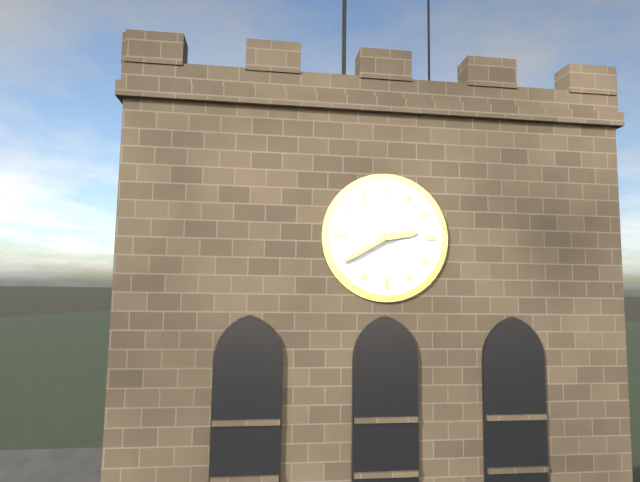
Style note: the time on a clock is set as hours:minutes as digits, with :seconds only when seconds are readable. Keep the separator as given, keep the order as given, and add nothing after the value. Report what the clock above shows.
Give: 2:40
